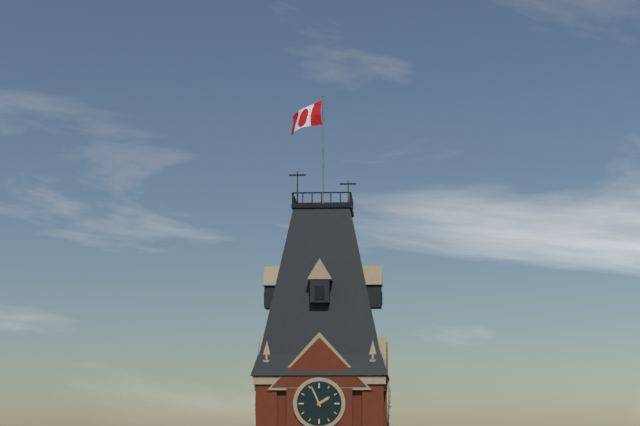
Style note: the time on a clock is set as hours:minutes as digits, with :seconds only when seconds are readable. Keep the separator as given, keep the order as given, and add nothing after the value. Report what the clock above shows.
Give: 1:56
